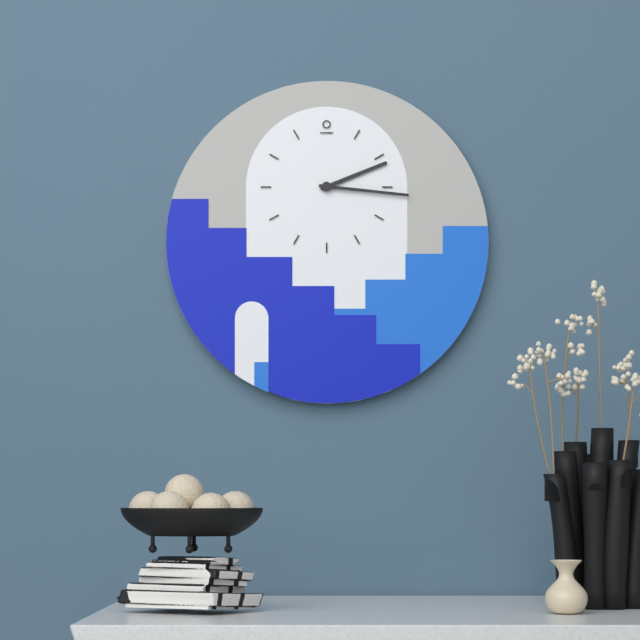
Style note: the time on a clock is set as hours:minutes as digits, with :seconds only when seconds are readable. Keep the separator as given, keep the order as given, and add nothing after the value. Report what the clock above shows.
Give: 2:16
